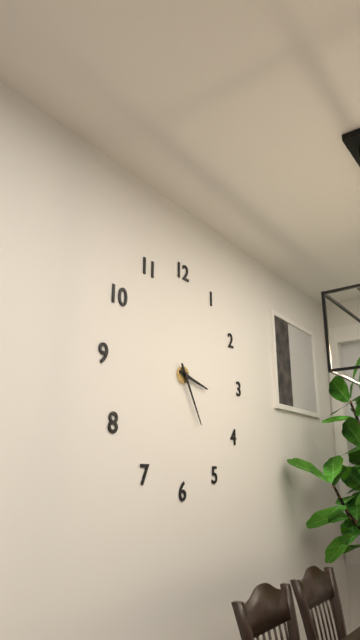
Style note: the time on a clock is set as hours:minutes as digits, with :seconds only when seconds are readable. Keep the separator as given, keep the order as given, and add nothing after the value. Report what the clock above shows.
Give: 3:25
